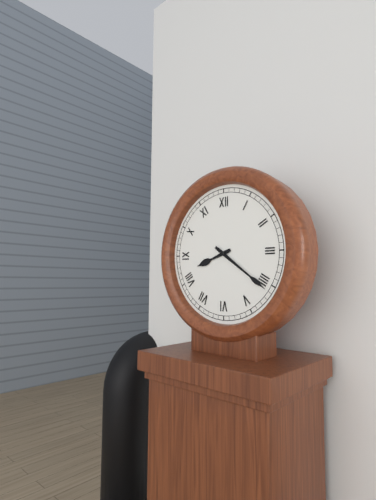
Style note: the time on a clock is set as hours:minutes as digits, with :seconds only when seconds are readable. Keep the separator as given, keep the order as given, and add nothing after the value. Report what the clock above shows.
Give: 8:21
